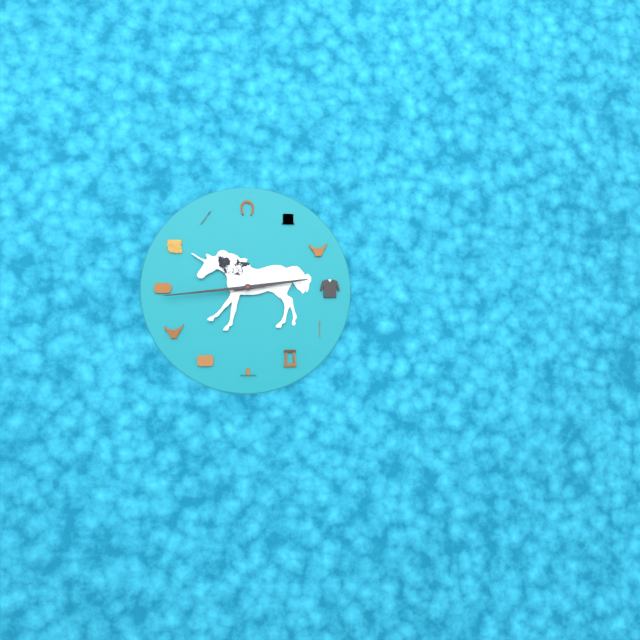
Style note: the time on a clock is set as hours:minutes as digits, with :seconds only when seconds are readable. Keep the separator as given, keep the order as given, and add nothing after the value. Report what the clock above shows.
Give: 2:44
